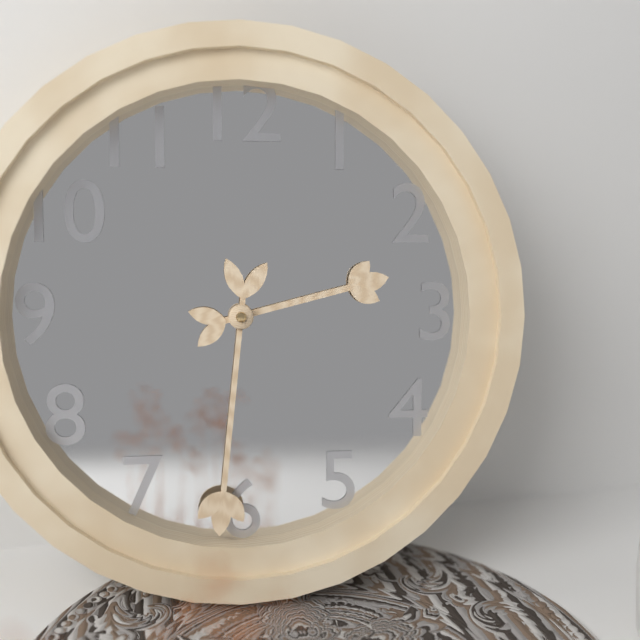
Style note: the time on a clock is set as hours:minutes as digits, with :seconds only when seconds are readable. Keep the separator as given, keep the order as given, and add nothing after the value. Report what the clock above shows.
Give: 2:31
